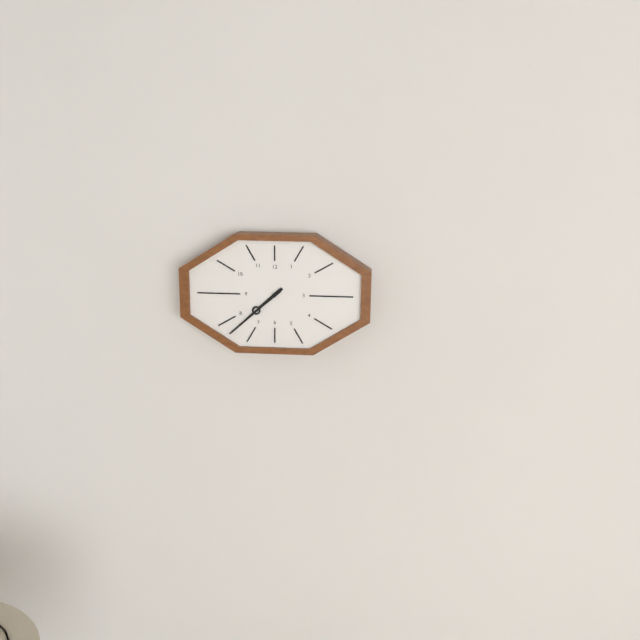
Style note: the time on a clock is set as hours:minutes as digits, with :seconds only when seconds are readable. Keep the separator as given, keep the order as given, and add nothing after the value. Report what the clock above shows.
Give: 7:38
